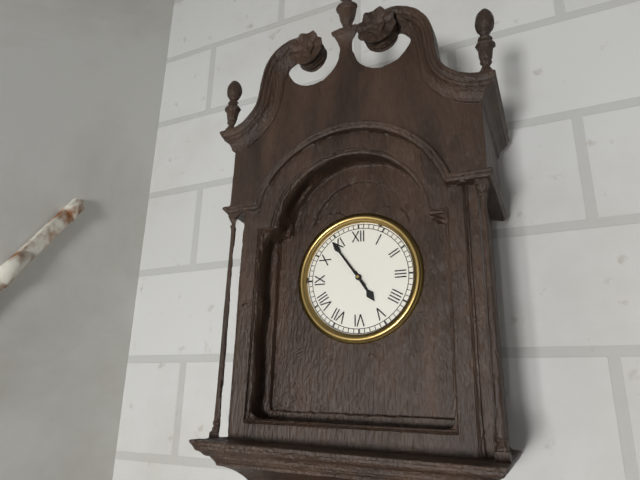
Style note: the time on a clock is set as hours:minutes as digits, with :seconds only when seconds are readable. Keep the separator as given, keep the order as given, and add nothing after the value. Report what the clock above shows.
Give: 4:54
